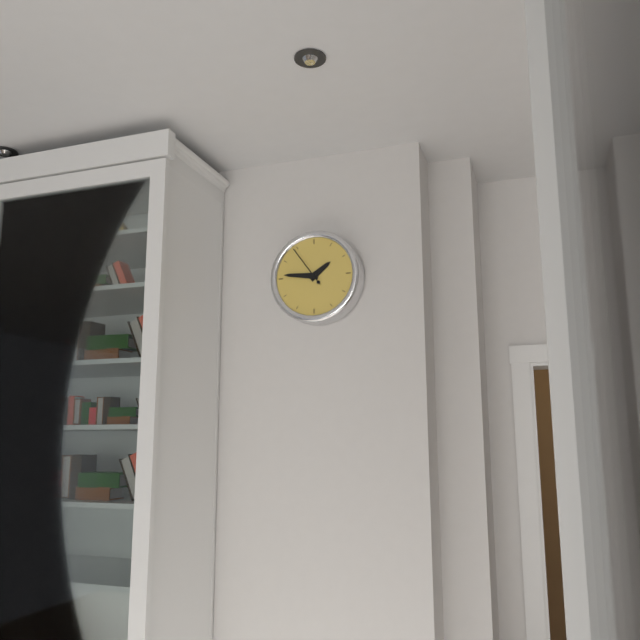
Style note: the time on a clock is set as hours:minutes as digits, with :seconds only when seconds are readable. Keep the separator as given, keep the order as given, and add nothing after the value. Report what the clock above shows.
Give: 1:46
